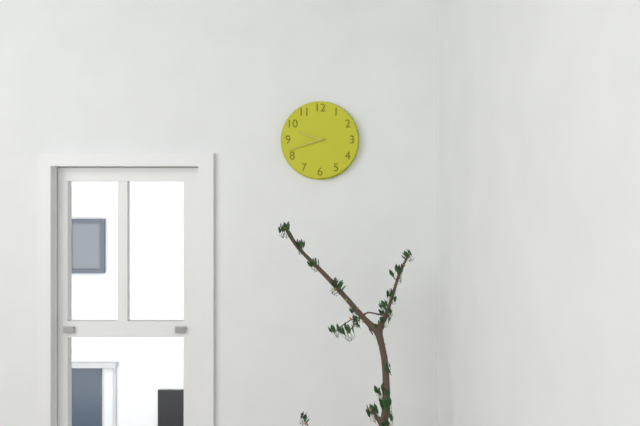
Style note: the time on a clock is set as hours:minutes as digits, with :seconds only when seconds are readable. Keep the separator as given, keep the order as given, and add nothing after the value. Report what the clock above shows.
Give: 9:42
